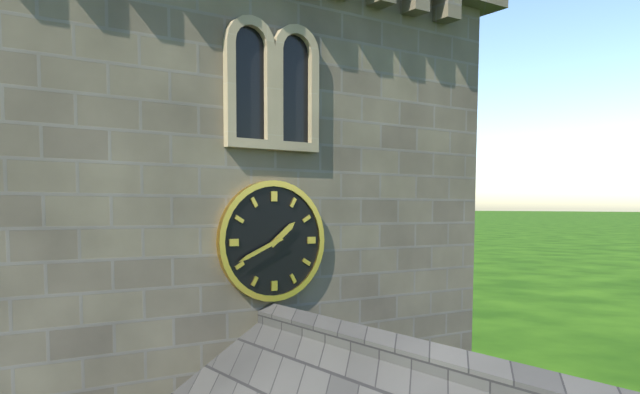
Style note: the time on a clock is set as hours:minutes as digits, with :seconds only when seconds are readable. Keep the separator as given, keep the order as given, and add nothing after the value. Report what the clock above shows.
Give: 1:41
